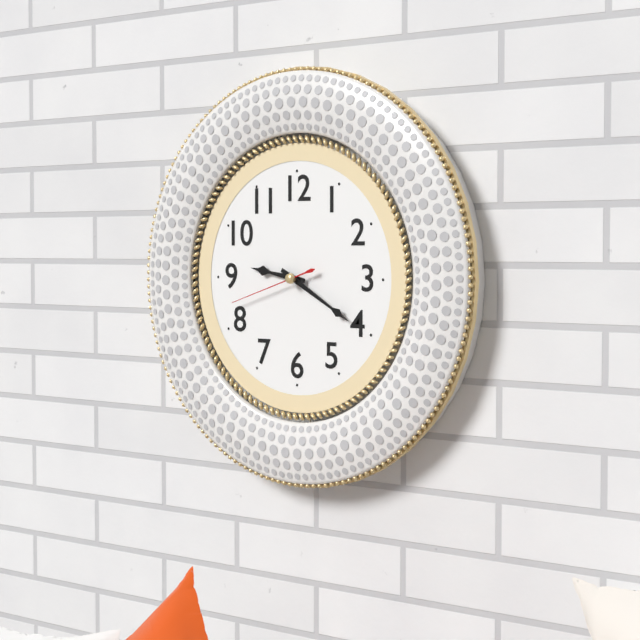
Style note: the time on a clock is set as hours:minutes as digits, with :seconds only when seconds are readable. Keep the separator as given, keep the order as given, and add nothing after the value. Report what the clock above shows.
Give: 9:20:42
